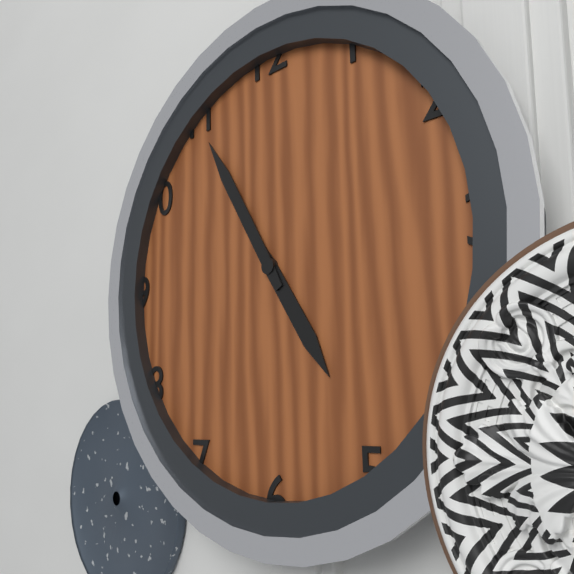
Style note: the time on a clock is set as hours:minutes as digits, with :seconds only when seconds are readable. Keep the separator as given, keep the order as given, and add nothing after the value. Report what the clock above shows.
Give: 4:55
